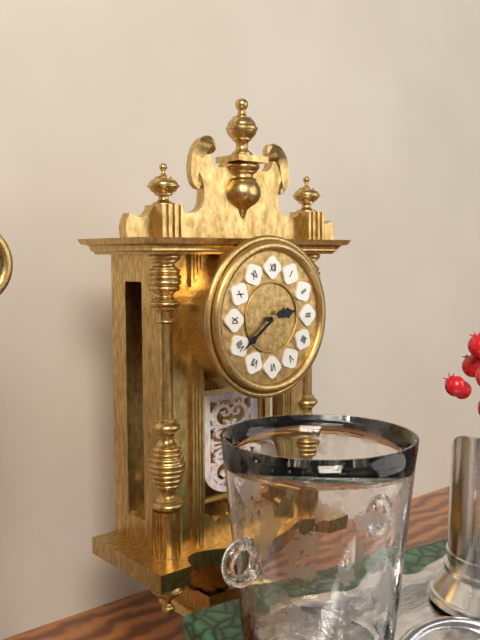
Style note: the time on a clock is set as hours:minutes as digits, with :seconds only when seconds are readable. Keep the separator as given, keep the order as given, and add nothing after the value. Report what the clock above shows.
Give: 2:39
